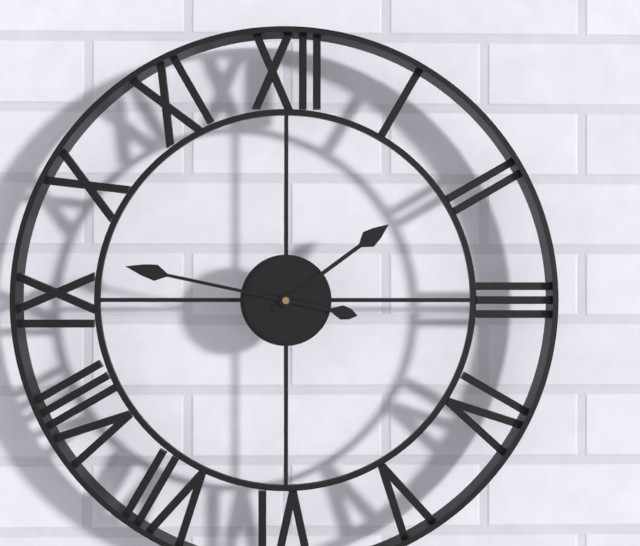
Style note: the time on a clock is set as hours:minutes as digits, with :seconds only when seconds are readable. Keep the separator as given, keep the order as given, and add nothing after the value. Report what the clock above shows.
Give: 1:47
